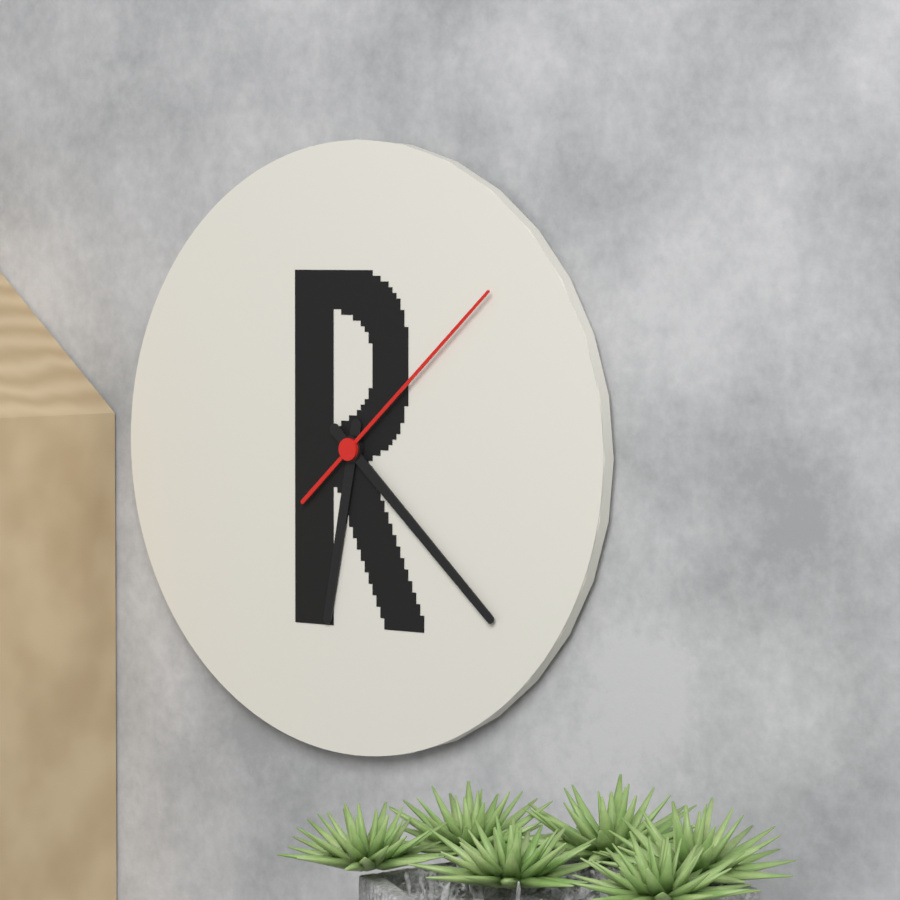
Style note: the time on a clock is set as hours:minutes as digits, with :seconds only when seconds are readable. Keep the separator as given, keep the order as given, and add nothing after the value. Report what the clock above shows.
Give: 6:22:08
